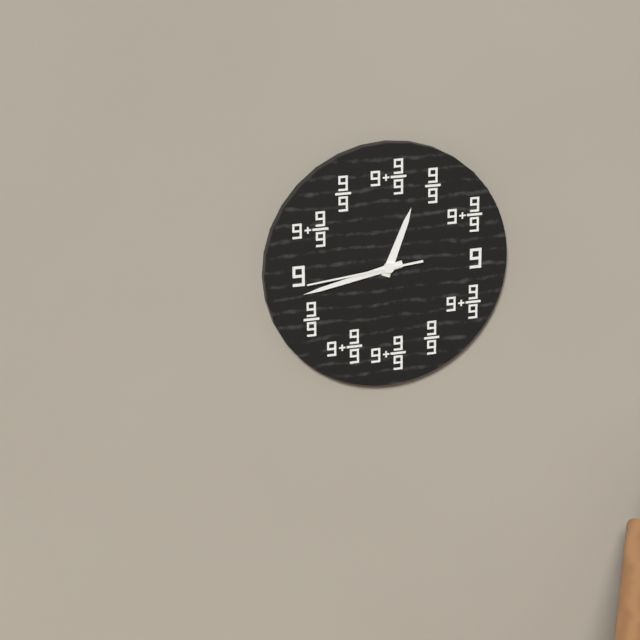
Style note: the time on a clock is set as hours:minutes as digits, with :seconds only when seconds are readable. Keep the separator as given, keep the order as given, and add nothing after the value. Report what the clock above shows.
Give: 12:43:44
